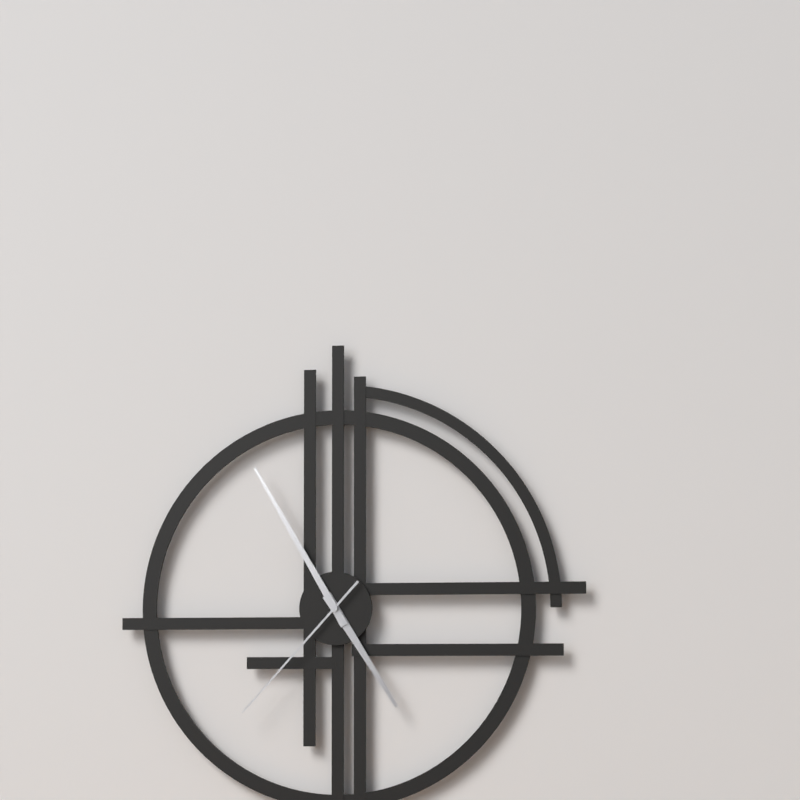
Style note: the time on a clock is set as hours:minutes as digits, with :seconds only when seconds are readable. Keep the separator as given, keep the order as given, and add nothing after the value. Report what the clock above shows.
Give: 4:55:37
